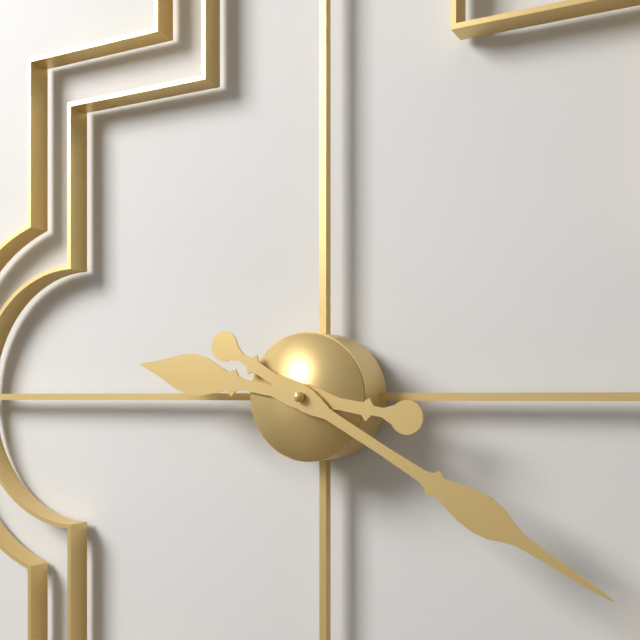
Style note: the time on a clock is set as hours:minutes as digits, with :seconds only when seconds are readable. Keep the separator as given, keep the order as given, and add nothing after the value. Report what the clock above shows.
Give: 9:20
